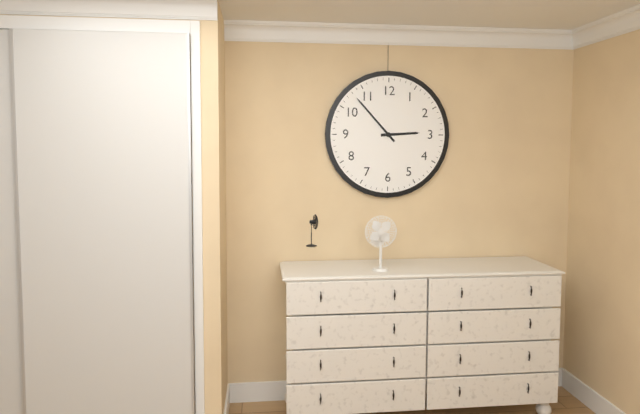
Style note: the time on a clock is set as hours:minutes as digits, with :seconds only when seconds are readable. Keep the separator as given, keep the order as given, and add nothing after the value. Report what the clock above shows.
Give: 2:53
